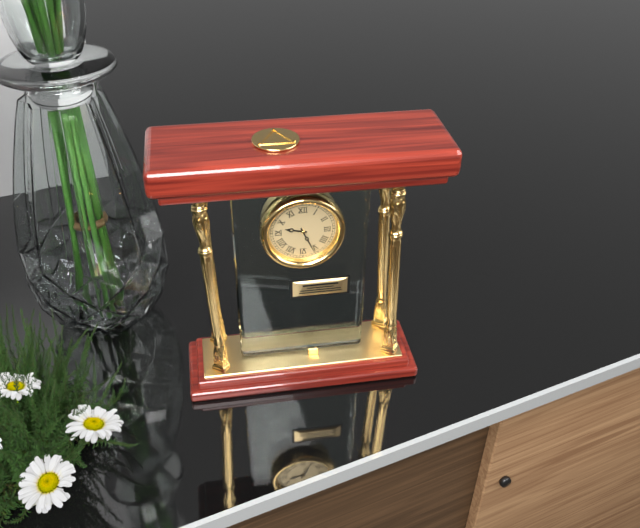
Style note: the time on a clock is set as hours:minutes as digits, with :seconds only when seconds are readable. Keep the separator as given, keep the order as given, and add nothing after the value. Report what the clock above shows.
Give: 9:26
